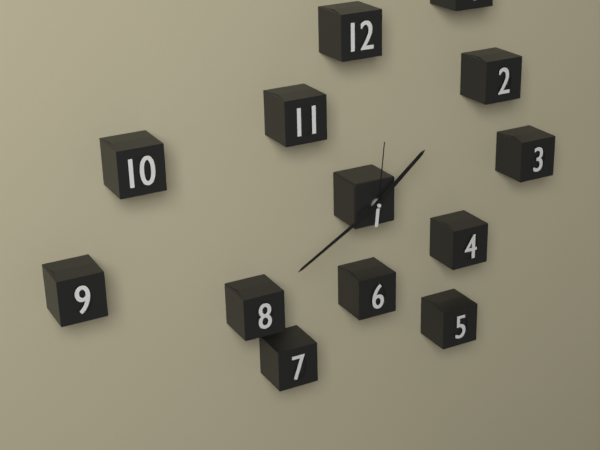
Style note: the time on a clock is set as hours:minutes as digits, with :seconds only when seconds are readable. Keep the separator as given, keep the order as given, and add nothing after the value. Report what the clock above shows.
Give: 1:40:01
